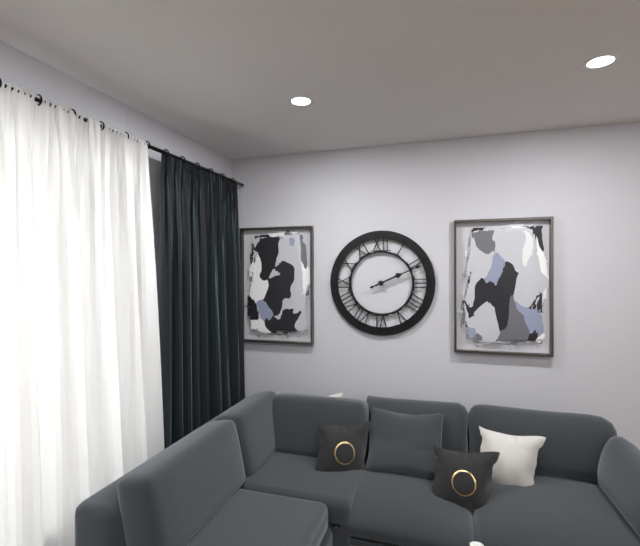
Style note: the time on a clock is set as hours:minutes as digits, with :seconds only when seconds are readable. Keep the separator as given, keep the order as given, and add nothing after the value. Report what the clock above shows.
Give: 2:11
